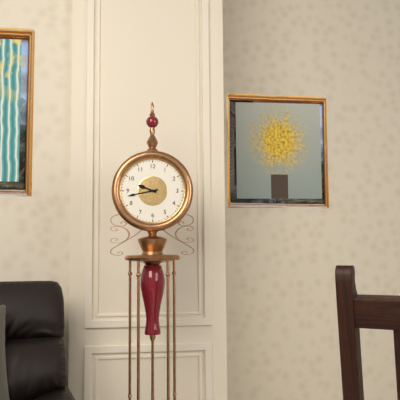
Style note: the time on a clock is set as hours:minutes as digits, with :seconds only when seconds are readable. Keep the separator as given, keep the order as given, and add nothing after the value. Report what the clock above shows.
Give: 9:43
